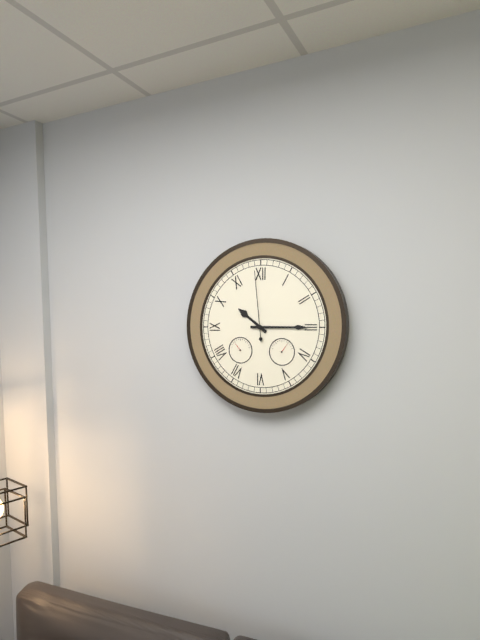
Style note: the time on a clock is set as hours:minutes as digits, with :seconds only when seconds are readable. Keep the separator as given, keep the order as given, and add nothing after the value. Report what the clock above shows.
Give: 10:15:59
